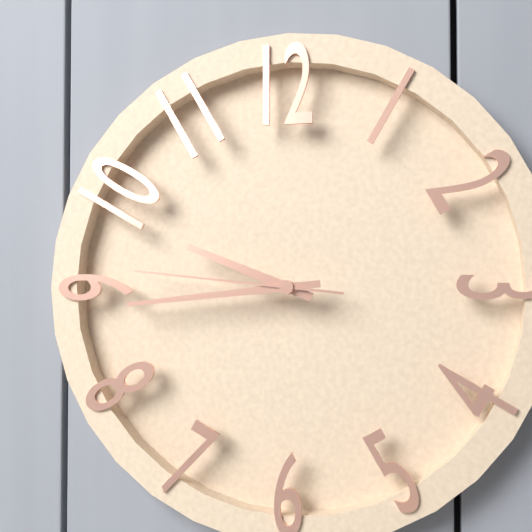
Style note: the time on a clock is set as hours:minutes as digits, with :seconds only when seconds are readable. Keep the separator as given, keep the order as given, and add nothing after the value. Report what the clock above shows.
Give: 9:44:46
